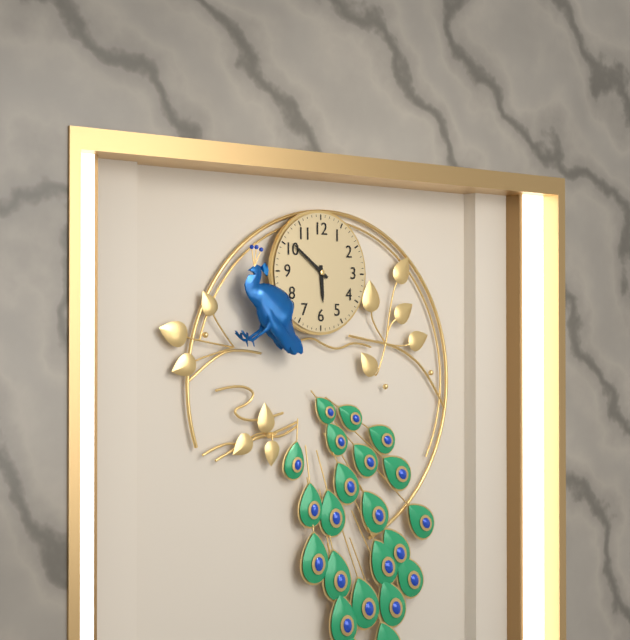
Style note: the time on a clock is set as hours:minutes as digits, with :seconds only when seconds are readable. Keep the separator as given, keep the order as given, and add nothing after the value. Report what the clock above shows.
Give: 5:51
